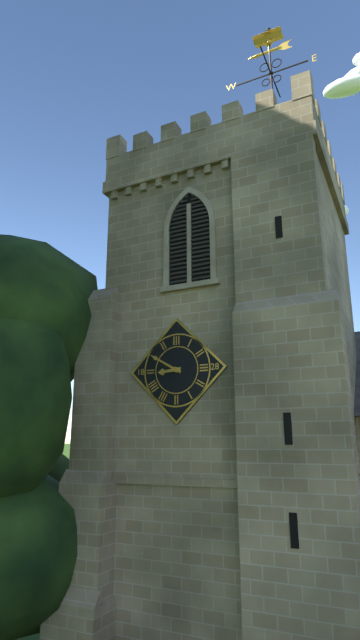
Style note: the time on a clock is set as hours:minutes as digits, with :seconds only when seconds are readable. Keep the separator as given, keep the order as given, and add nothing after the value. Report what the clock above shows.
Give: 8:50
